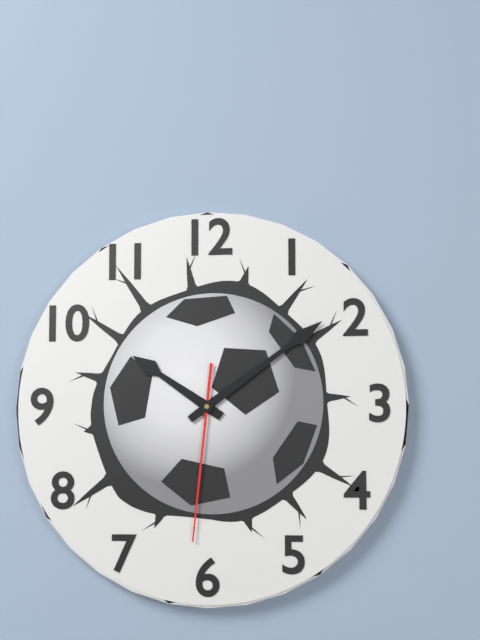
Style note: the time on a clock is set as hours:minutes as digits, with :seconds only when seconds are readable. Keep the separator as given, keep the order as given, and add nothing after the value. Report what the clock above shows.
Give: 10:09:31
